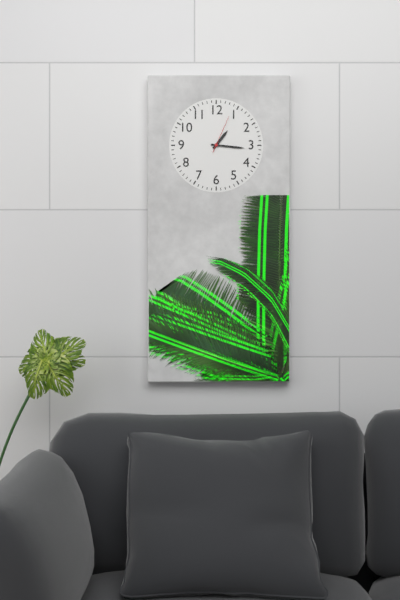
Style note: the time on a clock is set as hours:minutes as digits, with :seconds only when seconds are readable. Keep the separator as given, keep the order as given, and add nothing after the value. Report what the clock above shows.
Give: 1:16
